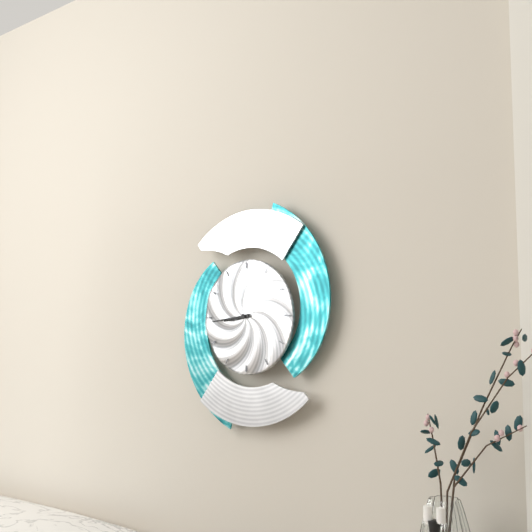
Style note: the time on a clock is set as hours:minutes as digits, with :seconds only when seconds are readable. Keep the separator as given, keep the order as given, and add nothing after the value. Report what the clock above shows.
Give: 8:44
